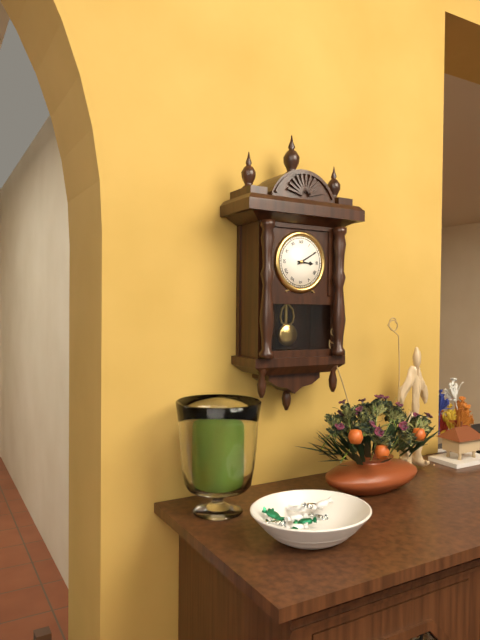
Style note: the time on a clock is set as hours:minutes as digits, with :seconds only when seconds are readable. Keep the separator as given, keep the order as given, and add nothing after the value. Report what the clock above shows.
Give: 3:10
